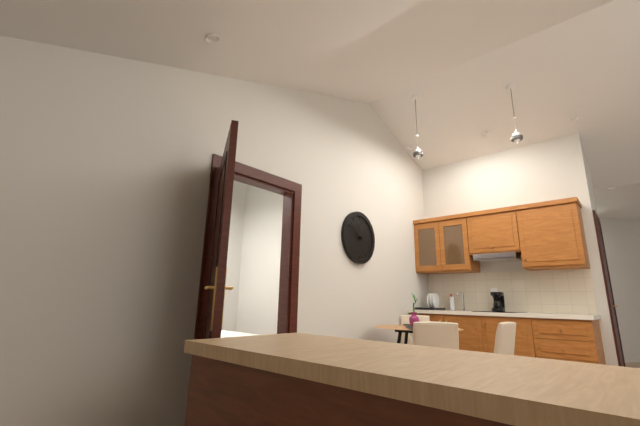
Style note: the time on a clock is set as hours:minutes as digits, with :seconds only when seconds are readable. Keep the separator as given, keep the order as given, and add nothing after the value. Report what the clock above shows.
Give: 11:51
